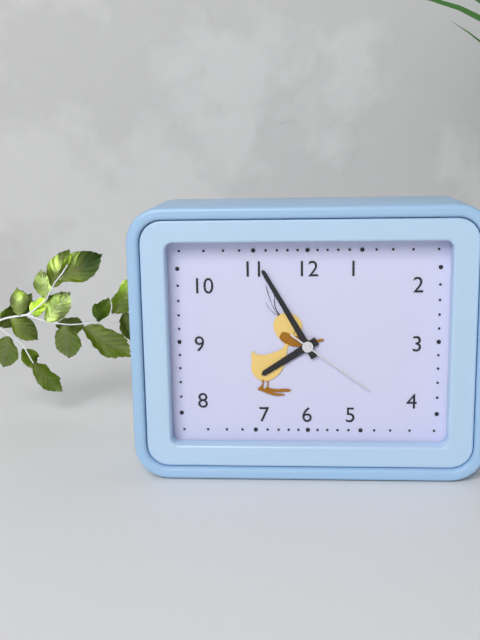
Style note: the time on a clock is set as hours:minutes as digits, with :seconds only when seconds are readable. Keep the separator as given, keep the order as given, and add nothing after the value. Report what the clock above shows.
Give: 7:55:21
